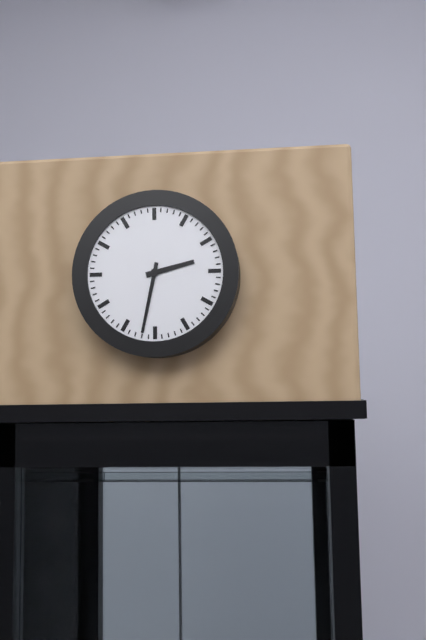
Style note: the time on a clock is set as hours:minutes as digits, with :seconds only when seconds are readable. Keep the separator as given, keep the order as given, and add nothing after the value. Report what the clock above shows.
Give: 2:32
